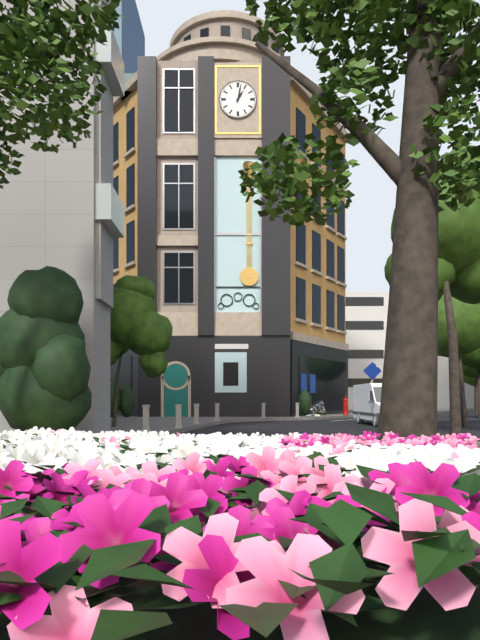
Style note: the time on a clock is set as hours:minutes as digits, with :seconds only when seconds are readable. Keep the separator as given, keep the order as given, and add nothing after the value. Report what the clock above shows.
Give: 1:02
